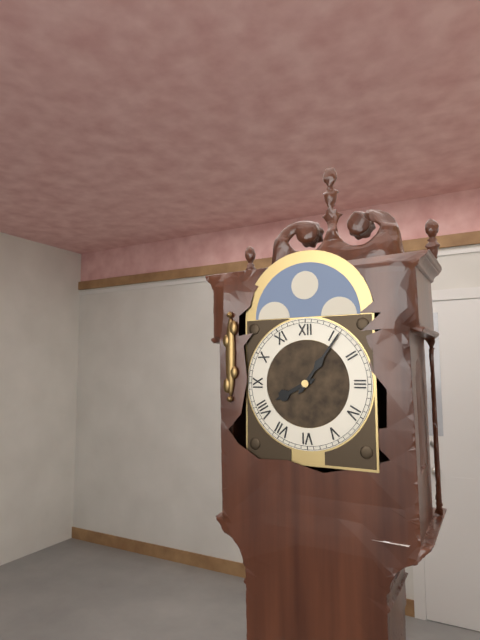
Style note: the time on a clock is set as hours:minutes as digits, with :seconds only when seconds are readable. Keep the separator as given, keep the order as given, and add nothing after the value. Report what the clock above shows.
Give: 8:06
